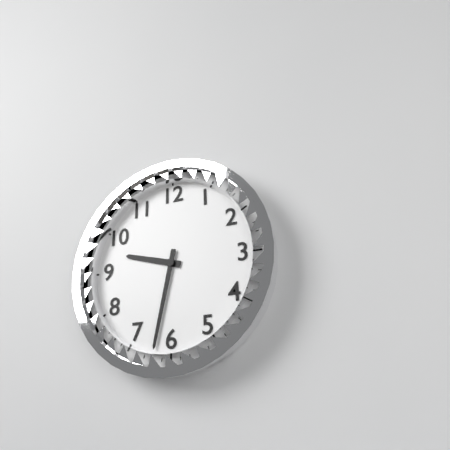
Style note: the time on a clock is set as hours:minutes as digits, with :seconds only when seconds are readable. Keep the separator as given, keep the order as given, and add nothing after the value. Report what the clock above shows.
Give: 9:32
